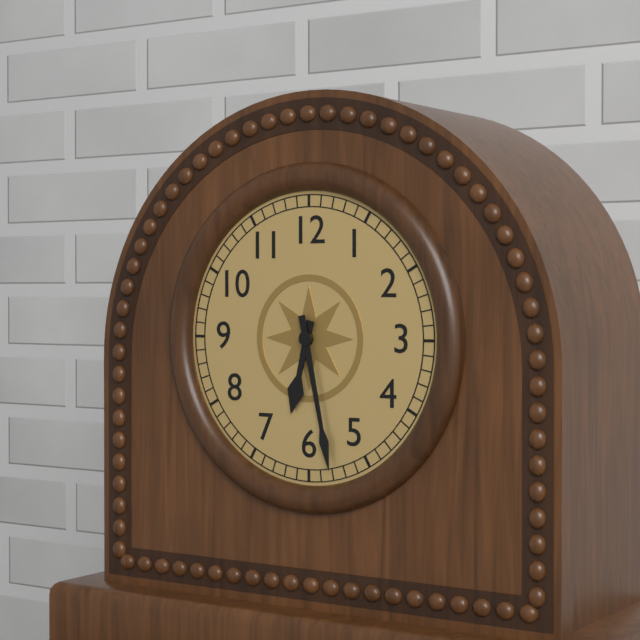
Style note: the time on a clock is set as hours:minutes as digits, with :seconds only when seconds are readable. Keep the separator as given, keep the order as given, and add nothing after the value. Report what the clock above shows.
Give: 6:28
